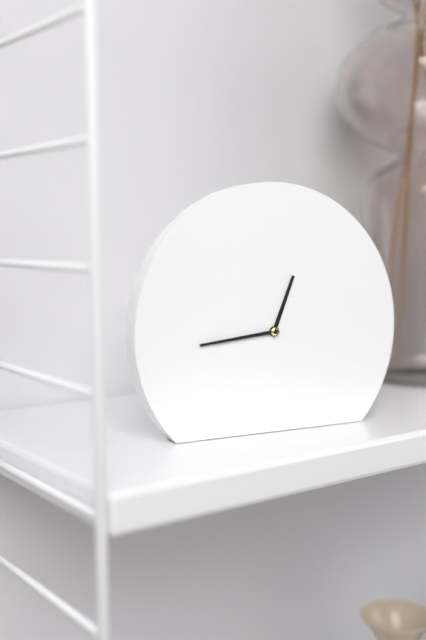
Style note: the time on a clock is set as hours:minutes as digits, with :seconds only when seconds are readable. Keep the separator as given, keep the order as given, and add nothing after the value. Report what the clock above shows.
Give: 12:44
